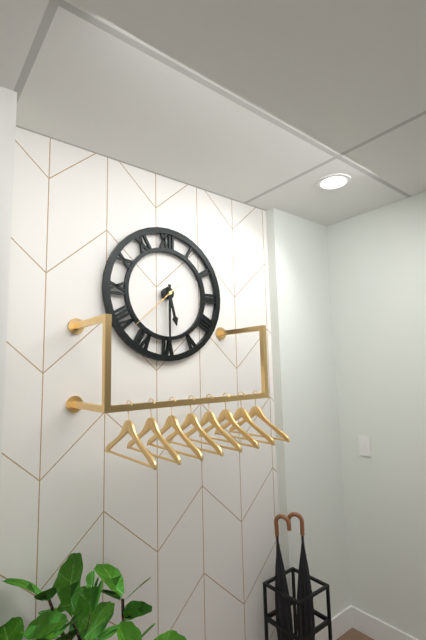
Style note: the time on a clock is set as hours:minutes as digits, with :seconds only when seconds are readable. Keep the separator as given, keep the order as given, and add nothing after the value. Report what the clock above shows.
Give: 5:30:38
